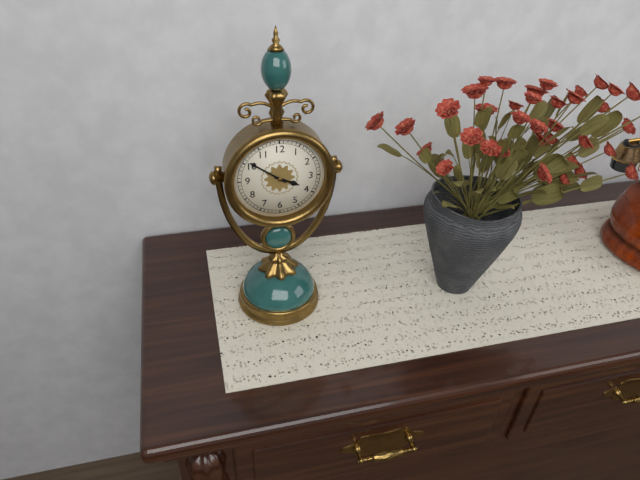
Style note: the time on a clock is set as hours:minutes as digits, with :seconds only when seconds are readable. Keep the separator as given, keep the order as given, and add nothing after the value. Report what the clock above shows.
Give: 3:51
